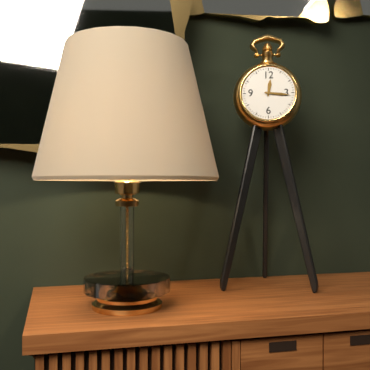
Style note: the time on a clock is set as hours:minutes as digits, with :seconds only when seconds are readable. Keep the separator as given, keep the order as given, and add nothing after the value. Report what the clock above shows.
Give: 12:16
